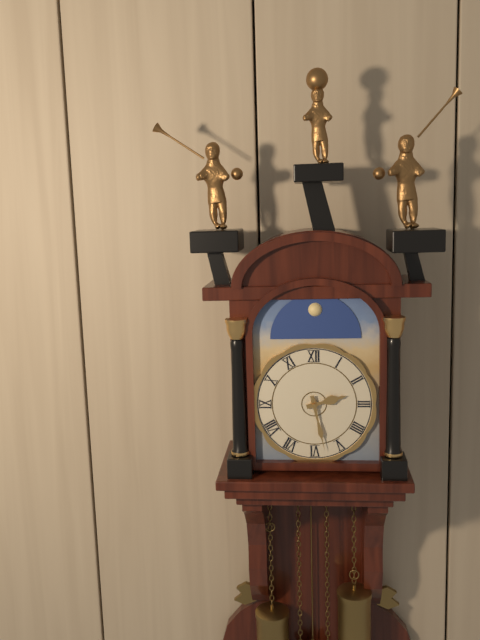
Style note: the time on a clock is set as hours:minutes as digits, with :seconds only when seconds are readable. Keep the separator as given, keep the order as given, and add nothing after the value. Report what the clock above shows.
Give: 2:28
